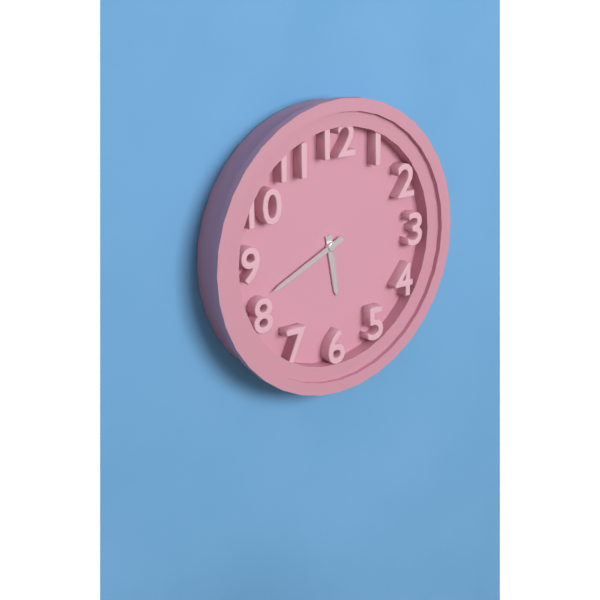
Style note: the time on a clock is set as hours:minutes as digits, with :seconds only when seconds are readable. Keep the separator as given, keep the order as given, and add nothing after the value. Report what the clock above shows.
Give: 5:41
